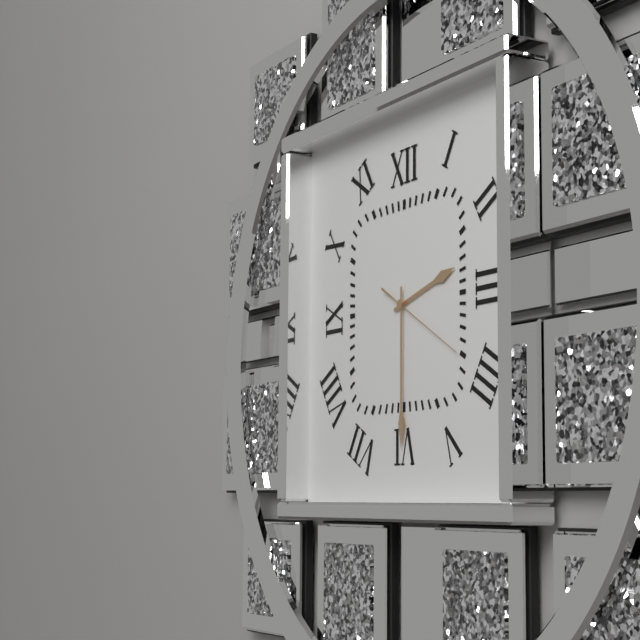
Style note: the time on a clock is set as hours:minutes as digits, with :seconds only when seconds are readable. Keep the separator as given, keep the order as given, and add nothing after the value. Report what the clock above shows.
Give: 2:30:20
